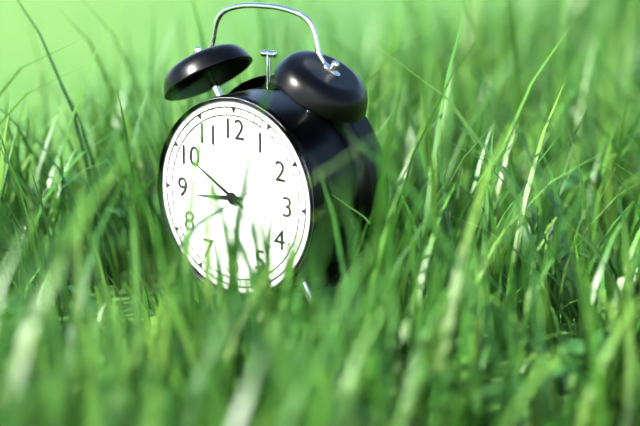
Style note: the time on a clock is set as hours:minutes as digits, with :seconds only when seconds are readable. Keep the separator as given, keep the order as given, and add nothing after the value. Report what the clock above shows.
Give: 8:50
